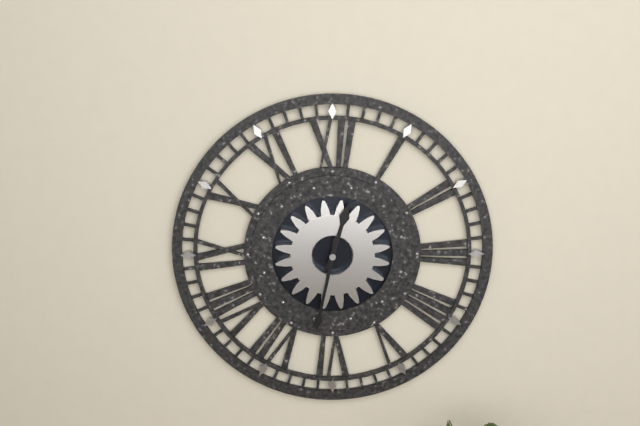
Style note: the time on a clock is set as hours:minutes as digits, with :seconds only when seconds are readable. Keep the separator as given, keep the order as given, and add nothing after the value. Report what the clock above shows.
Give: 12:32
